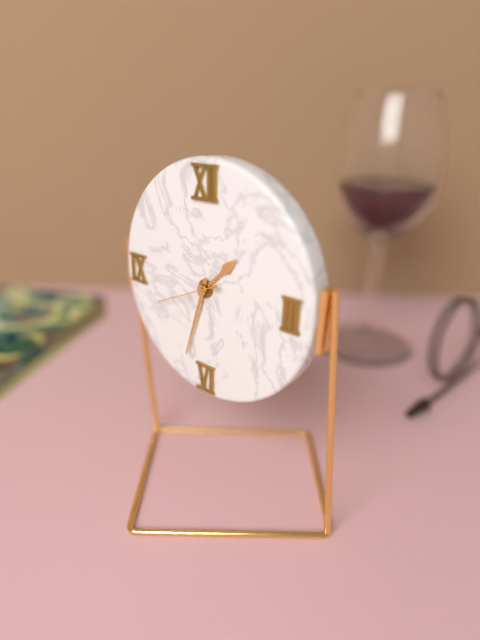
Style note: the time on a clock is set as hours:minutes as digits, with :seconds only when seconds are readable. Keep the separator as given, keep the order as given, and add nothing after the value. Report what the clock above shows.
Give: 1:33:41
